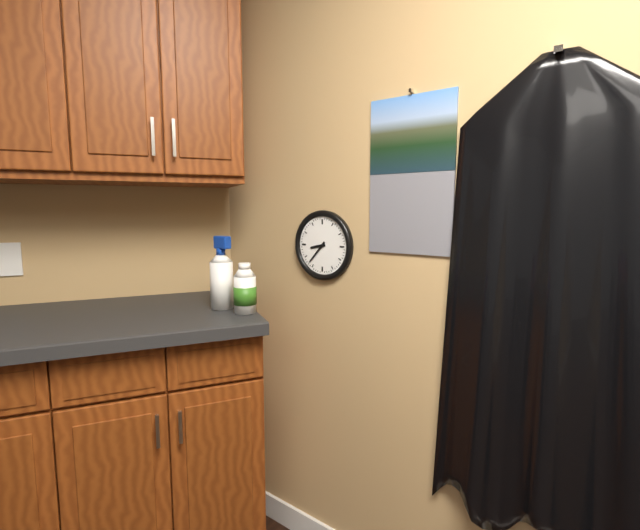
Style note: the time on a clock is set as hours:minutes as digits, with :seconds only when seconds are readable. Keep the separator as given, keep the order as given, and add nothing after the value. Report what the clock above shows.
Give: 8:37
